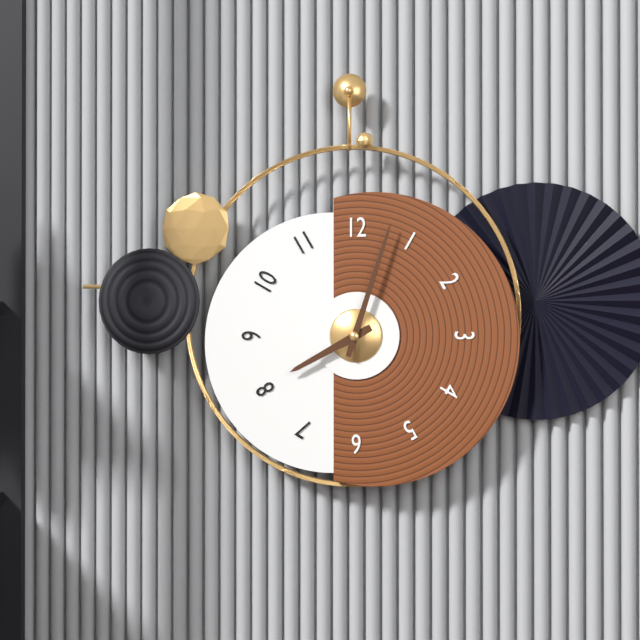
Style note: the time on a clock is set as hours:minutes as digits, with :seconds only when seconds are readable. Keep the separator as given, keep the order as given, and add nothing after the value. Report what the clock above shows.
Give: 8:03
